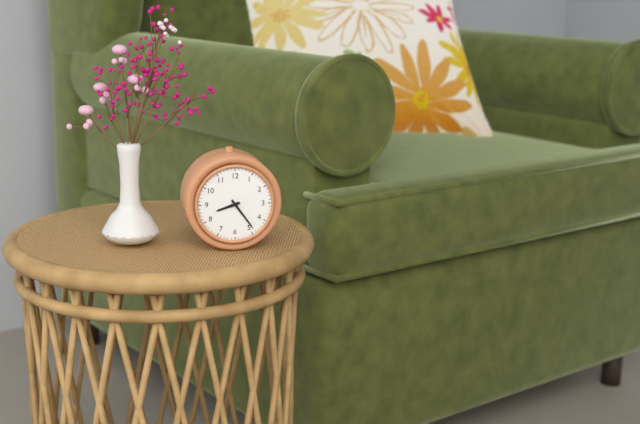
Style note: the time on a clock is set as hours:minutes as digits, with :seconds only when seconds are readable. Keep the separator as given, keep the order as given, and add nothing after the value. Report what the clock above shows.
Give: 8:24
